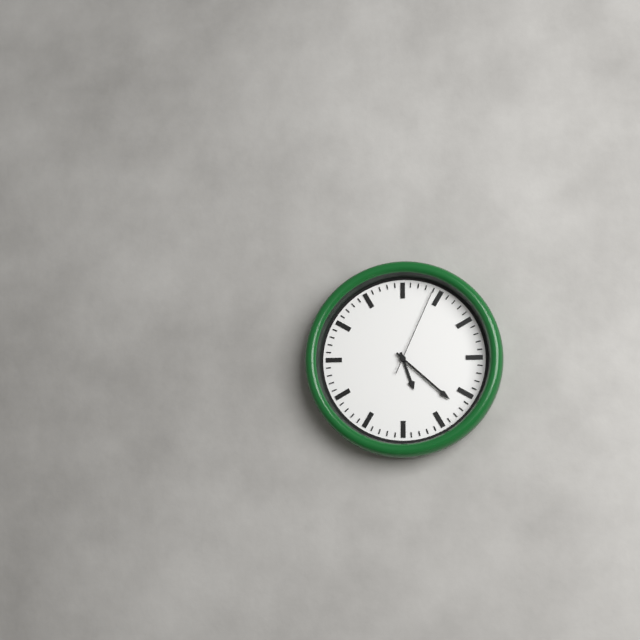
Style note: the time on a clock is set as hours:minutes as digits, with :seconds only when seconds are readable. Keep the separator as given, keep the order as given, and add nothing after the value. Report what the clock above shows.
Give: 5:22:04
